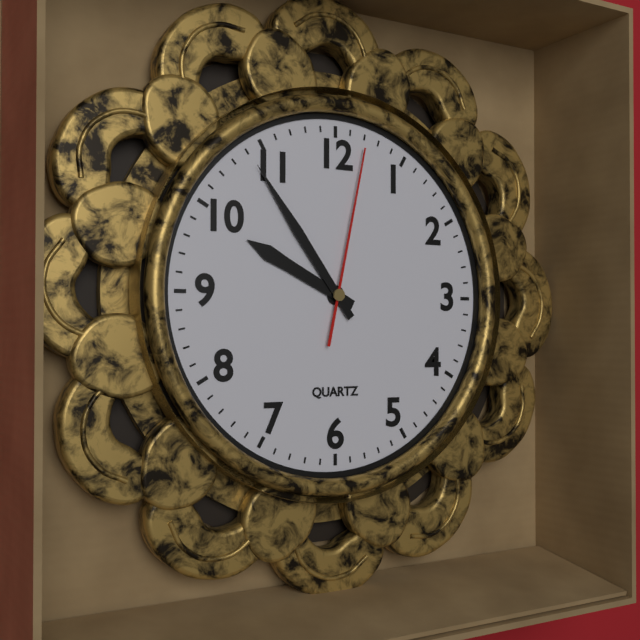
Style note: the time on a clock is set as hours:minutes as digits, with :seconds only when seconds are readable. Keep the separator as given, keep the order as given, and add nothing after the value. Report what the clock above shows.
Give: 9:54:02
